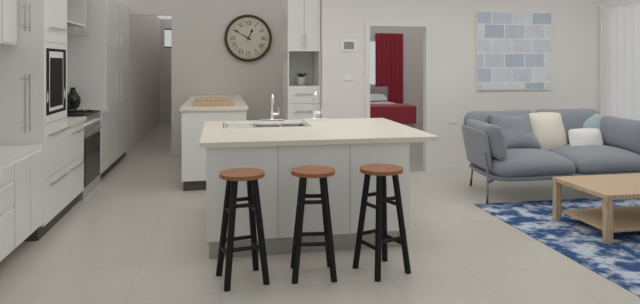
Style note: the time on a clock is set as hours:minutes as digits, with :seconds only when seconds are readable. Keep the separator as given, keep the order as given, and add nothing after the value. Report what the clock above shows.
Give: 12:50
